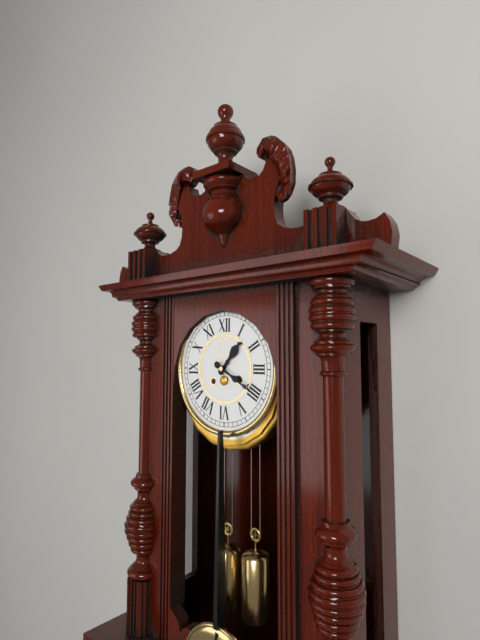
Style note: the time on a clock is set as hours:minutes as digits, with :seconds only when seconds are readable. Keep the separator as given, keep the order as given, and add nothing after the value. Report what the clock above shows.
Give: 1:20
